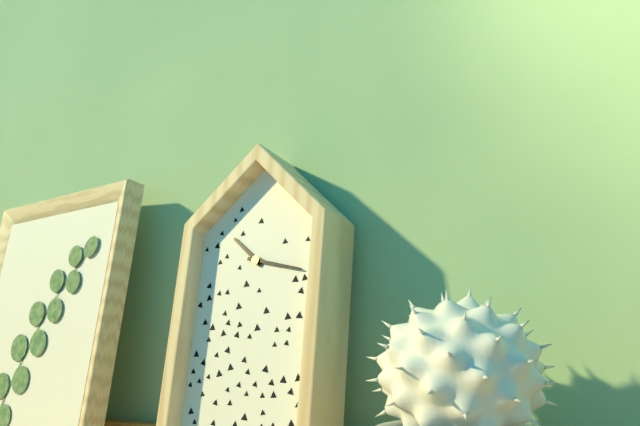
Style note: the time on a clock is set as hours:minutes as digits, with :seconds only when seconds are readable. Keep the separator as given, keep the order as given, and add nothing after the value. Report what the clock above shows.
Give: 10:17
